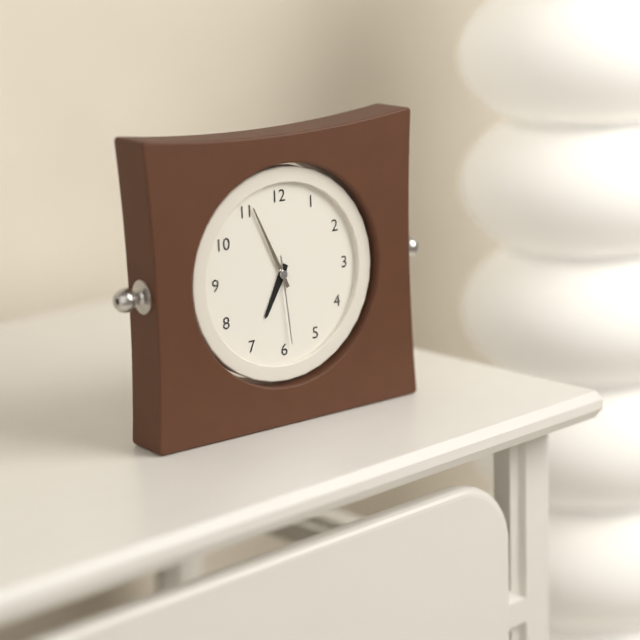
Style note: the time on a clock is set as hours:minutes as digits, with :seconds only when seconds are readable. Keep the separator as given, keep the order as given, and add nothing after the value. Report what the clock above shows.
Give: 6:56:29
